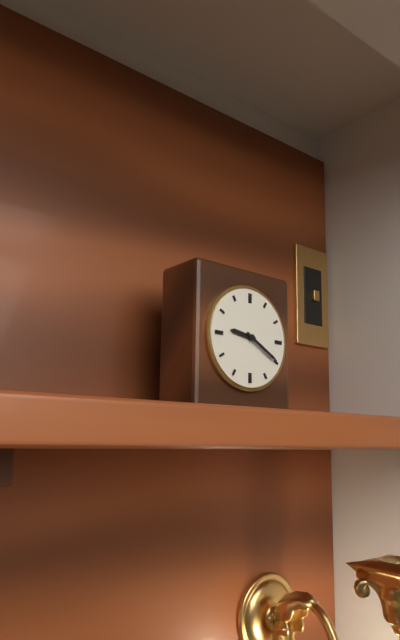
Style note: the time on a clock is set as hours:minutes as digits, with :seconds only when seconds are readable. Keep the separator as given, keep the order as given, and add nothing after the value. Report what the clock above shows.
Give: 9:20
